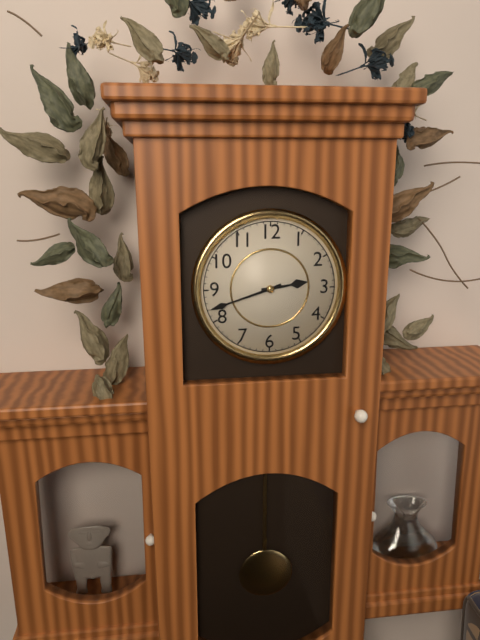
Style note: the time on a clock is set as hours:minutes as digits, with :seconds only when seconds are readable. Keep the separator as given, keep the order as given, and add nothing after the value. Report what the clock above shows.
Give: 2:42
